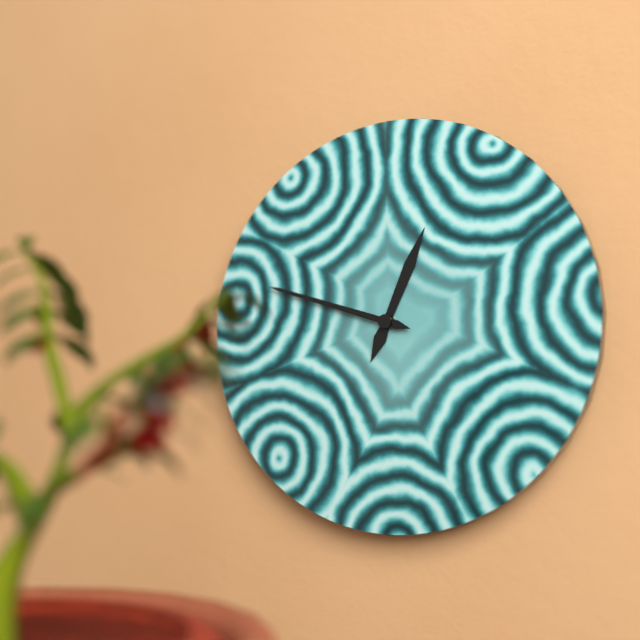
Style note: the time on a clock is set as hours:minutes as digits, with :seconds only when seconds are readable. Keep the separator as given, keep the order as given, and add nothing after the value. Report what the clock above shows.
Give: 12:48
